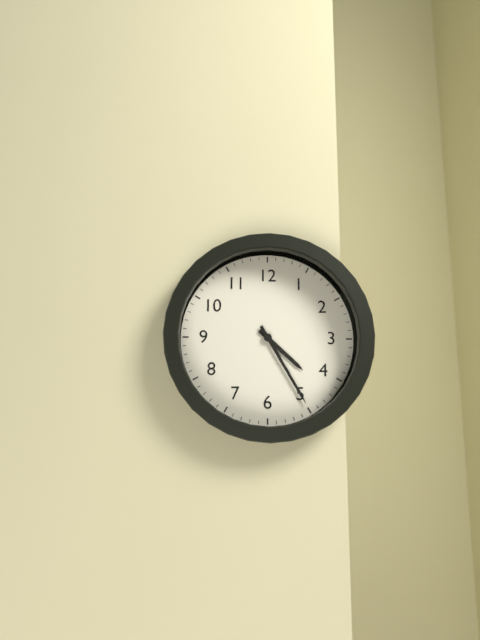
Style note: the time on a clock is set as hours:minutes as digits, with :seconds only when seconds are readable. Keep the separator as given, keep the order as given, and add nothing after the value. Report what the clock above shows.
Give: 4:25
